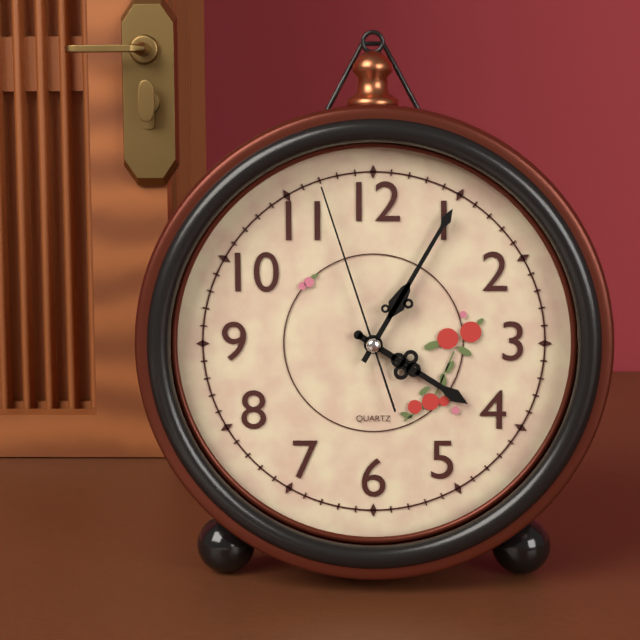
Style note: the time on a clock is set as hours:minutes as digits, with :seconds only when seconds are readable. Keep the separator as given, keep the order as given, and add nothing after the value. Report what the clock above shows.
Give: 4:05:57
